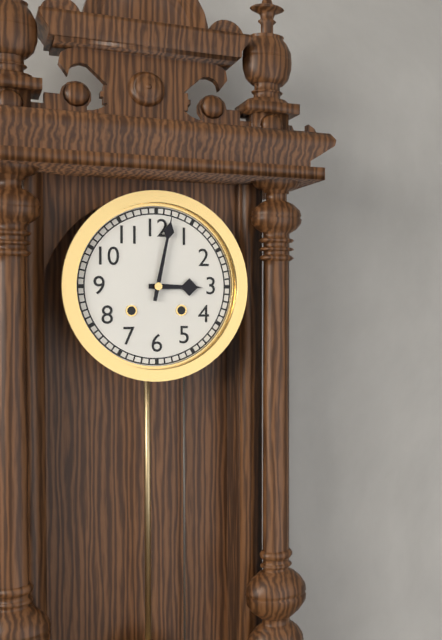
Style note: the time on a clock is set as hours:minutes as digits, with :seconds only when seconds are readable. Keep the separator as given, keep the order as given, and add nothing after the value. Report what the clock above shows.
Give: 3:02
